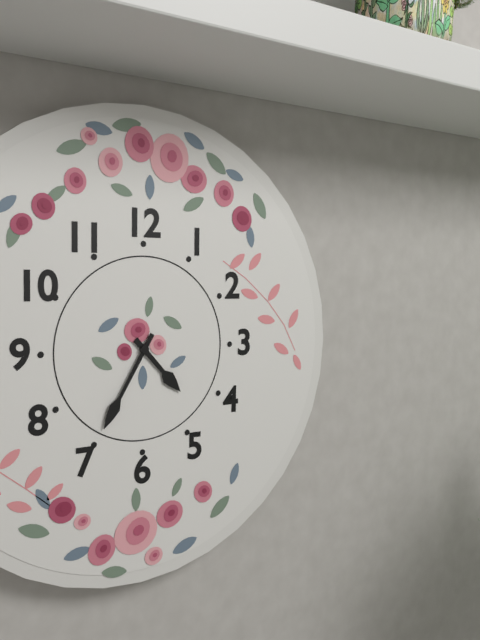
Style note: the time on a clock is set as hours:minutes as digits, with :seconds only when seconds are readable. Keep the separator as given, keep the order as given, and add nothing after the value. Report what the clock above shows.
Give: 4:35
